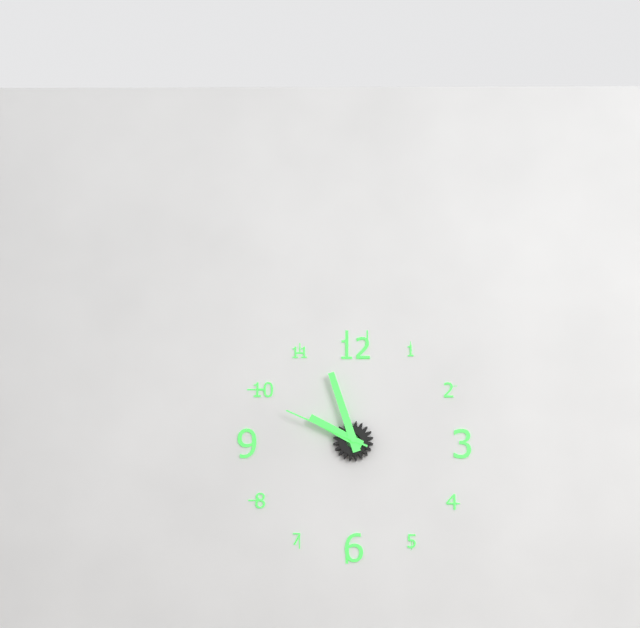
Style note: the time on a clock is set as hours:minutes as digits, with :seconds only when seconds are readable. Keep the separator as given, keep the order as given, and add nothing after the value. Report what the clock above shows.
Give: 9:57:49
